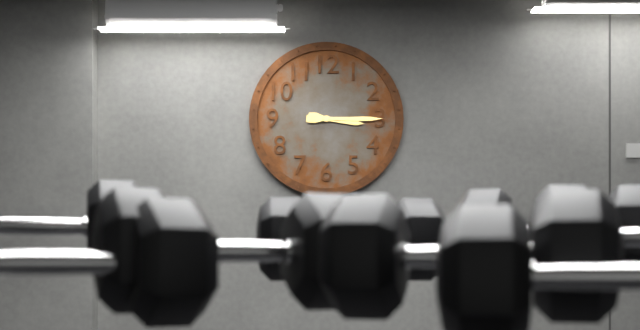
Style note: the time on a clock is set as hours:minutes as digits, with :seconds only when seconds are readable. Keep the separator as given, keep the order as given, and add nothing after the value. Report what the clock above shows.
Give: 3:15
